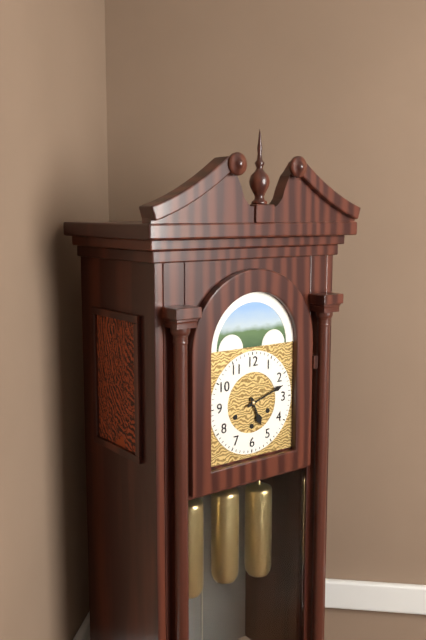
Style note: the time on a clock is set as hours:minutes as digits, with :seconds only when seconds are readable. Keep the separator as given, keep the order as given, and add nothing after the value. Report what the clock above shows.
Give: 5:12
